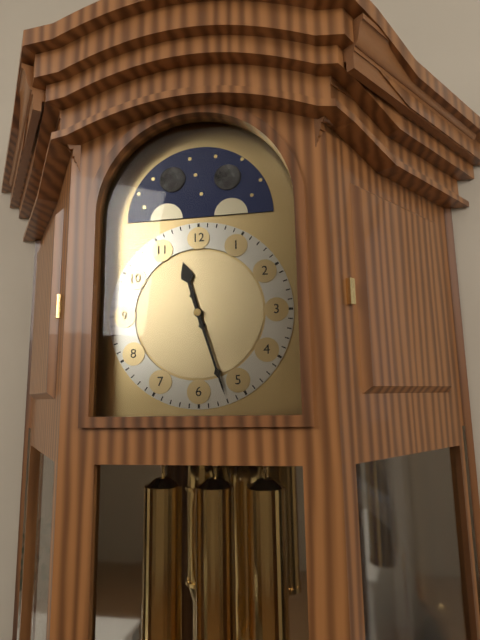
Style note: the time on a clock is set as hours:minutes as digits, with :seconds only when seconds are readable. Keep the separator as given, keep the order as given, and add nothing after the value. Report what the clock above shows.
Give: 11:27
